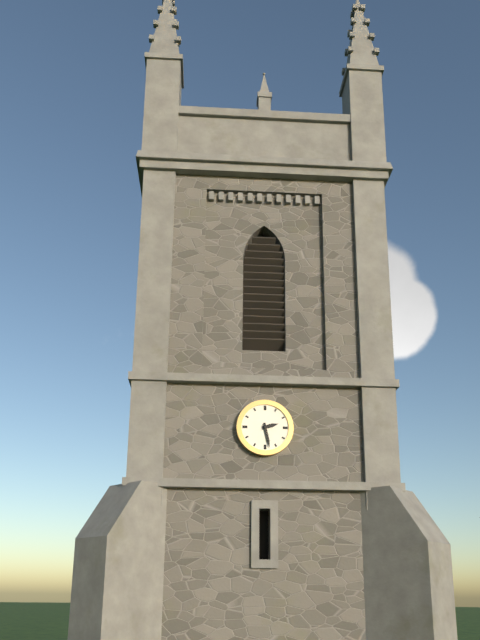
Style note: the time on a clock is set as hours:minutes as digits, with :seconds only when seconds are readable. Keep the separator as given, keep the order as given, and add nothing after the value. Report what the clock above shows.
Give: 2:28
